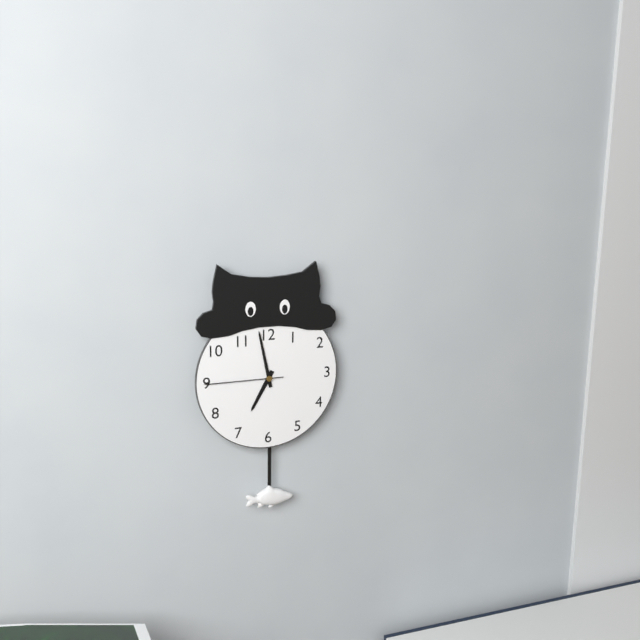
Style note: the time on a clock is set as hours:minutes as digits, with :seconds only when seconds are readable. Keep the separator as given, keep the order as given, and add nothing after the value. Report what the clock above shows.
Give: 6:58:45
